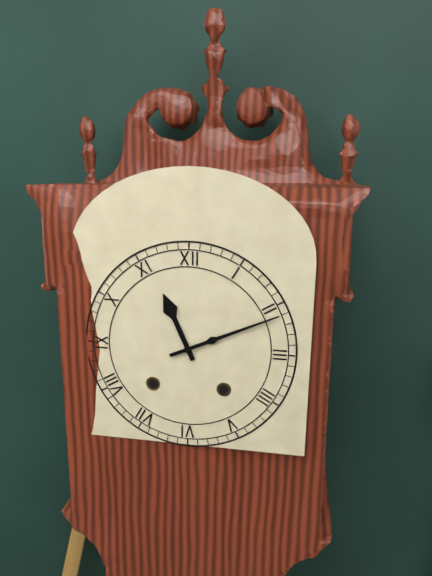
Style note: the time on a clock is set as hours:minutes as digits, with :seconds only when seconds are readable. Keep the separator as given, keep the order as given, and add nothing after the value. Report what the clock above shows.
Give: 11:11
